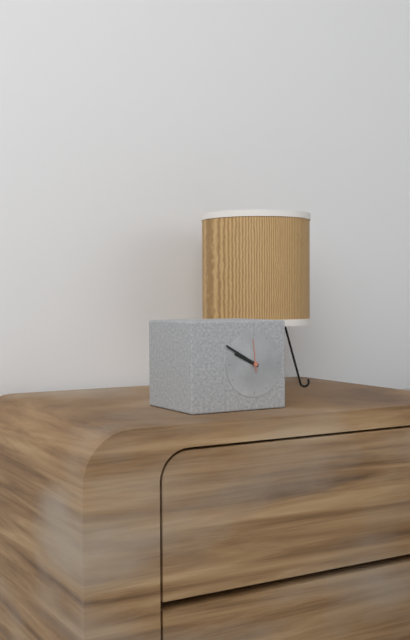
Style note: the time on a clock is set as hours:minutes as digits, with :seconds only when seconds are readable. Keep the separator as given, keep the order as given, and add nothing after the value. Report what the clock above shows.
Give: 9:50
